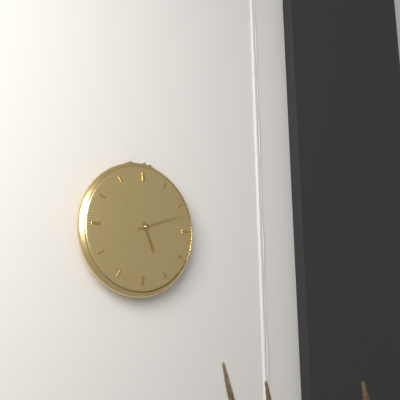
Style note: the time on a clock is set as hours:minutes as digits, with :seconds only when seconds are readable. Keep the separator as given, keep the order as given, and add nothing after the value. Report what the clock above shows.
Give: 5:12
